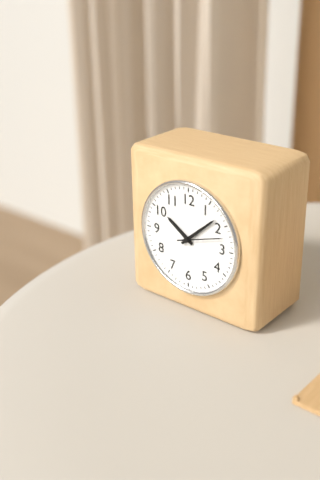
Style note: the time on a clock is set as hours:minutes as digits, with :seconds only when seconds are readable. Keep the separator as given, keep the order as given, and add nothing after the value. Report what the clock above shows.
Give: 10:08
